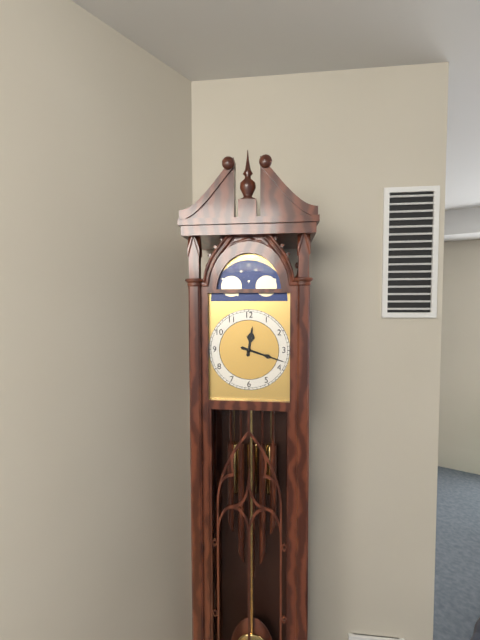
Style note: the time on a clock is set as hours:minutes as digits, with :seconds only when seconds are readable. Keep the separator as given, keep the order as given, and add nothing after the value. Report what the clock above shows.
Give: 12:18
